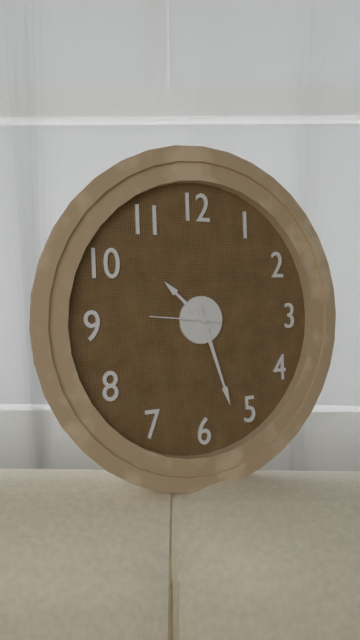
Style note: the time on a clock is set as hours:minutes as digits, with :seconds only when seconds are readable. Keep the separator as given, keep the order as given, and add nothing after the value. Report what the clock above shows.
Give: 10:27:46
